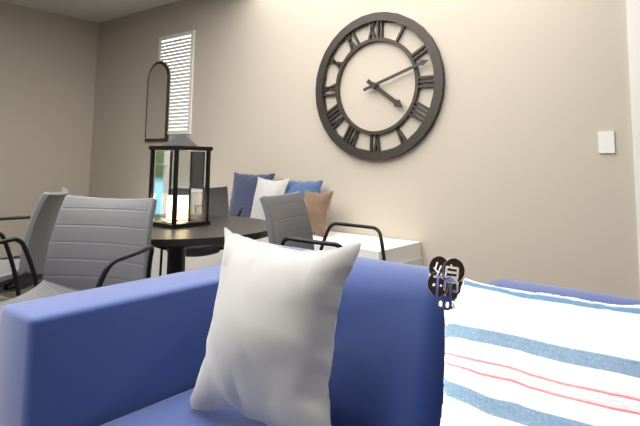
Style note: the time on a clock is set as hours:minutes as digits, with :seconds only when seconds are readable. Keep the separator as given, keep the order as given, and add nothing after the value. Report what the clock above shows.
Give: 4:12
